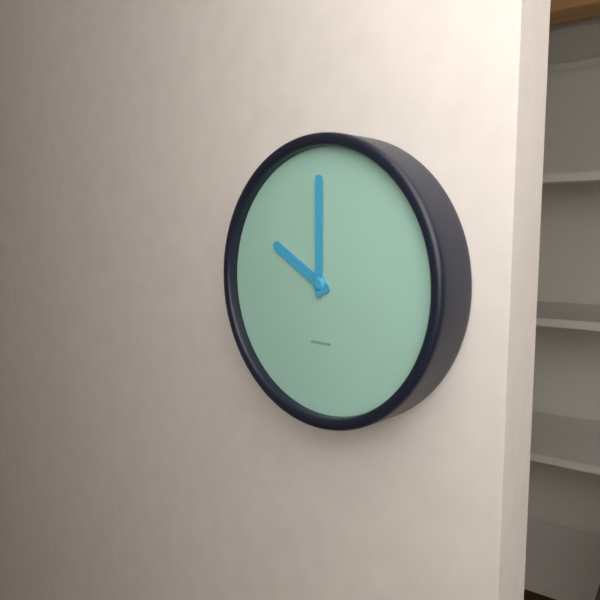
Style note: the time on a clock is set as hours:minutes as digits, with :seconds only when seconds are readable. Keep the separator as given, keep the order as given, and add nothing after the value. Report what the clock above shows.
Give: 10:00
